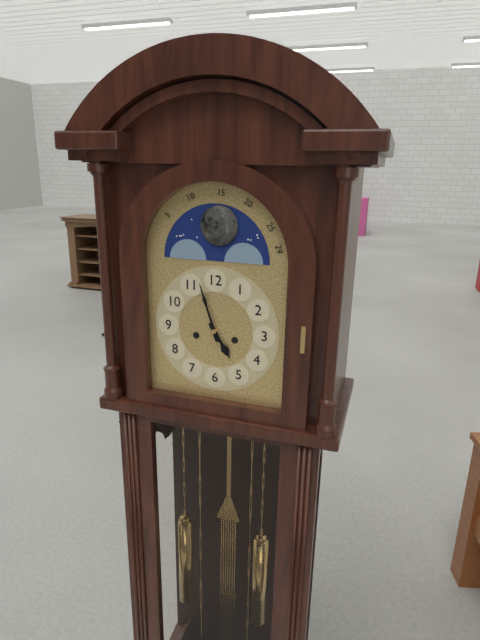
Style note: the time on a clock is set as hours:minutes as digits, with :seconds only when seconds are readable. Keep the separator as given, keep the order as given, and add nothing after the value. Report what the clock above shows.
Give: 4:57
